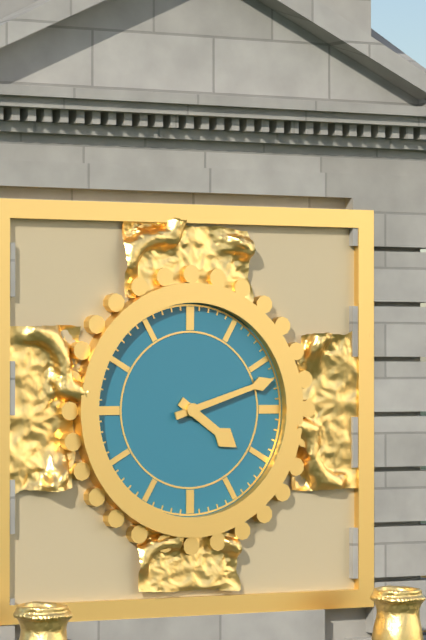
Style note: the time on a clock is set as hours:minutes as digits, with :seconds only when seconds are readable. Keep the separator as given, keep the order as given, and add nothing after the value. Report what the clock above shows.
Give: 4:12
